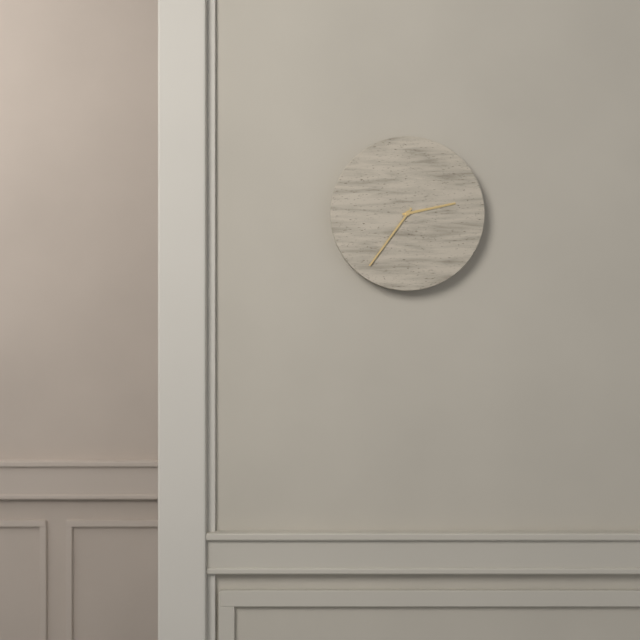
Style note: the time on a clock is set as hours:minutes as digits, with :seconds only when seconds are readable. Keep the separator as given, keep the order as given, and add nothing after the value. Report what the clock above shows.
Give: 2:36
